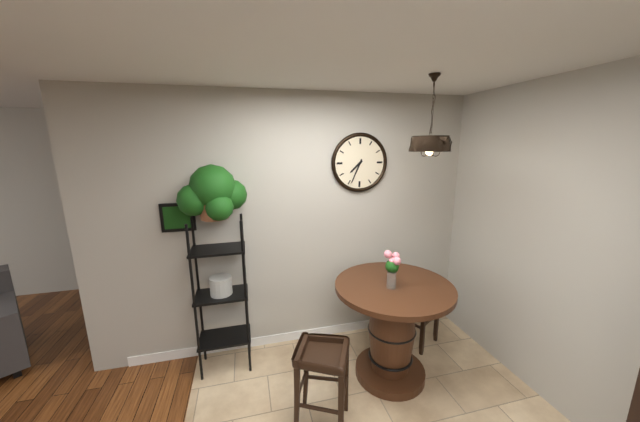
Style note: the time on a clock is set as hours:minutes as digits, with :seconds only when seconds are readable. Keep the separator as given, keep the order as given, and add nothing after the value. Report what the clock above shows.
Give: 7:34
